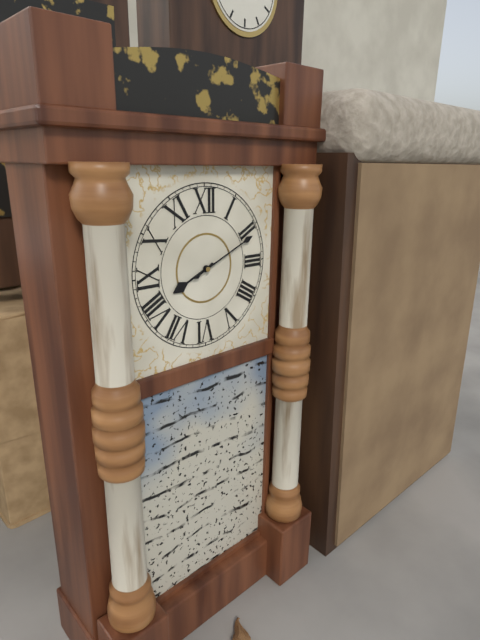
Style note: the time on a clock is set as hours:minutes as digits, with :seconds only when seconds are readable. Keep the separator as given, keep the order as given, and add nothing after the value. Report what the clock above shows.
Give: 8:11
